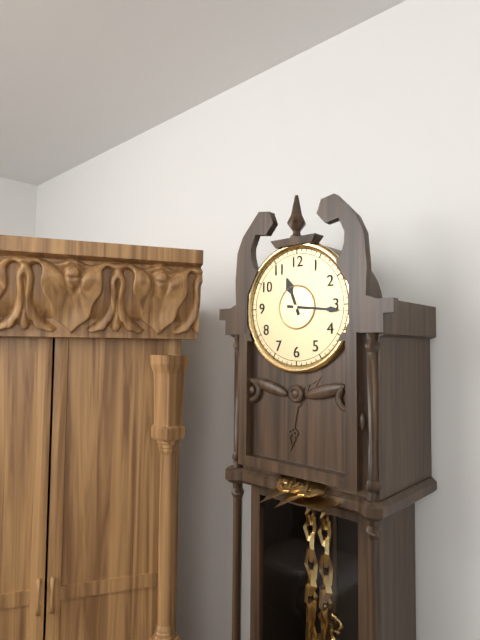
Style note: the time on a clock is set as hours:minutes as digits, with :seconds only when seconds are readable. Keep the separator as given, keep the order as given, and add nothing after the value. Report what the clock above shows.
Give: 11:16
